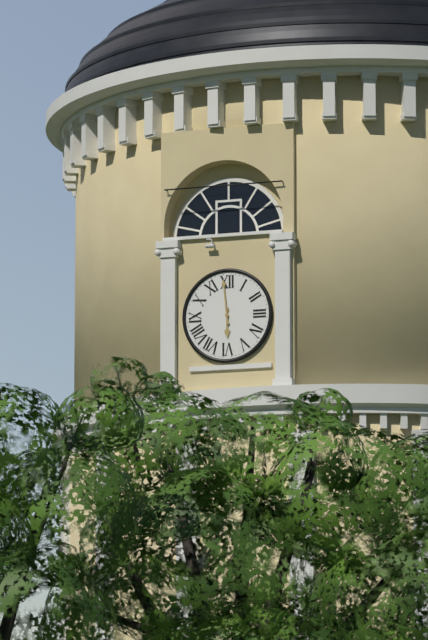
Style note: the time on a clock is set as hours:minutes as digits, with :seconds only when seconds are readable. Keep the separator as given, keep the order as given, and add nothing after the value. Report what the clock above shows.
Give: 5:59
